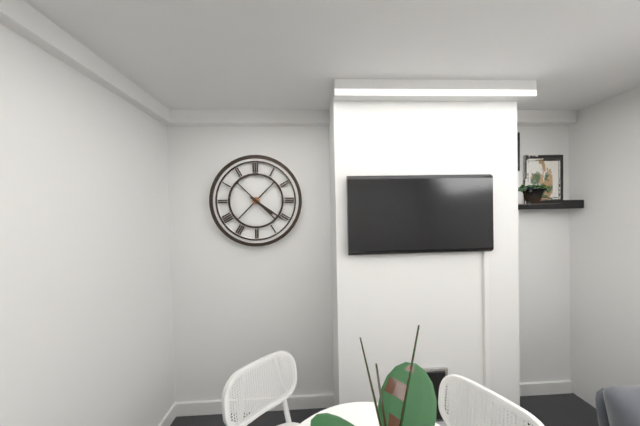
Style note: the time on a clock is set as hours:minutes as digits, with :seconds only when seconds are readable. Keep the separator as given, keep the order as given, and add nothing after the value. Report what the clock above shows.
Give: 4:21
